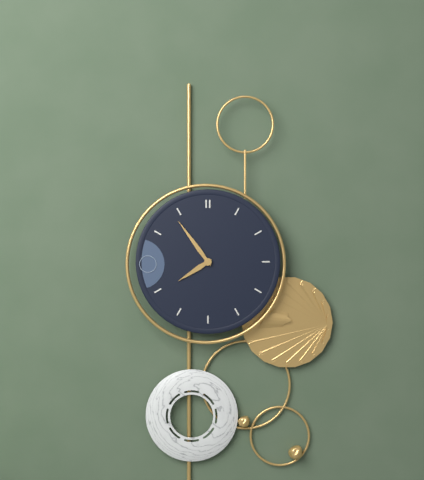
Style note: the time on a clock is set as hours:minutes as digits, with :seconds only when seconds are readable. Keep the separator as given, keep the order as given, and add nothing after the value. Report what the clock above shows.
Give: 7:54
